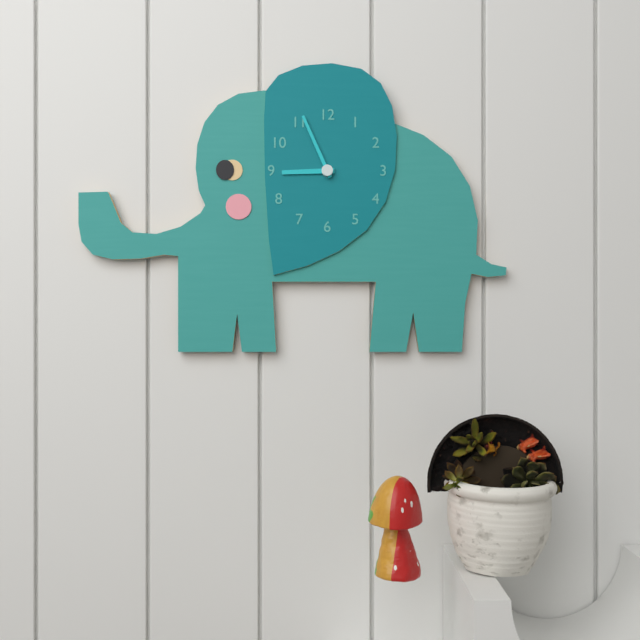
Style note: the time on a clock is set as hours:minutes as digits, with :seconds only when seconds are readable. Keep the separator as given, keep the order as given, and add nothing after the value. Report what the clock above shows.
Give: 8:56
